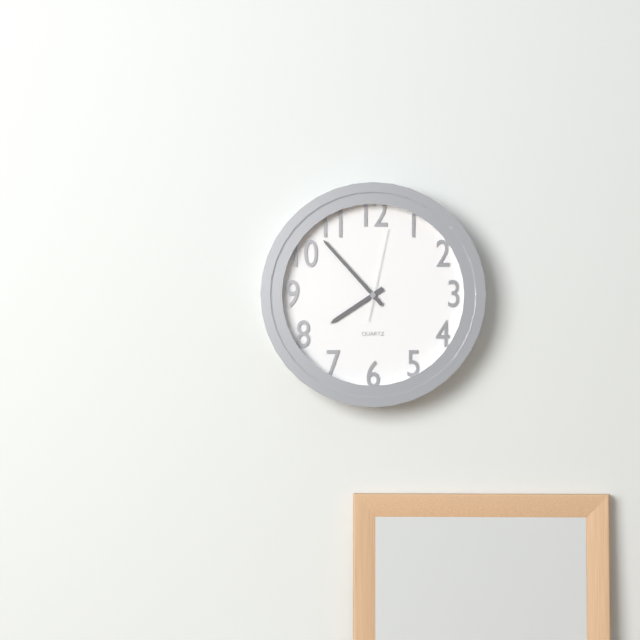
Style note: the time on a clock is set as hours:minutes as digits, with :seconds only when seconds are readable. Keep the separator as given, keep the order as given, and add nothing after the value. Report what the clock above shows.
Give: 7:53:02
